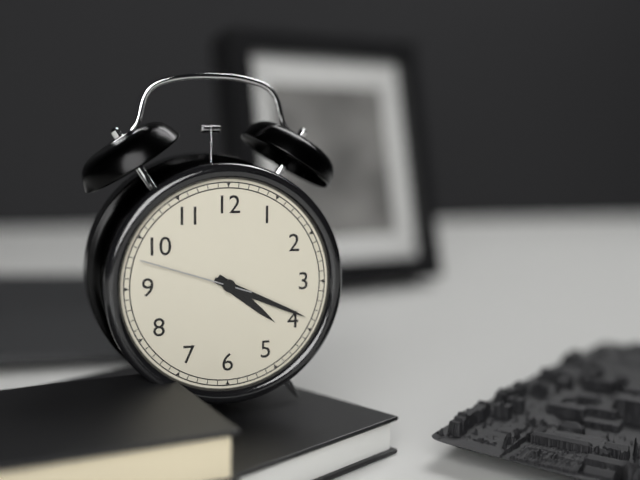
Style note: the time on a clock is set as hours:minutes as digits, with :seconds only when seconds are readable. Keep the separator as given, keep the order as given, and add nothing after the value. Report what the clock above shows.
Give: 4:19:48
